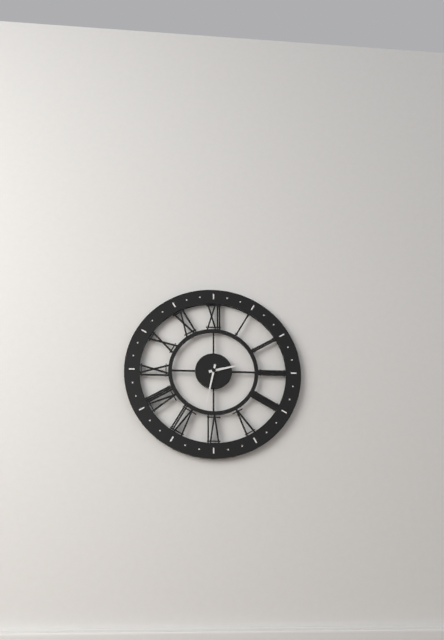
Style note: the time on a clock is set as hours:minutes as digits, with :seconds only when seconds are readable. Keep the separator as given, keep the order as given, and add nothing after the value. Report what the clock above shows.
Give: 2:32
